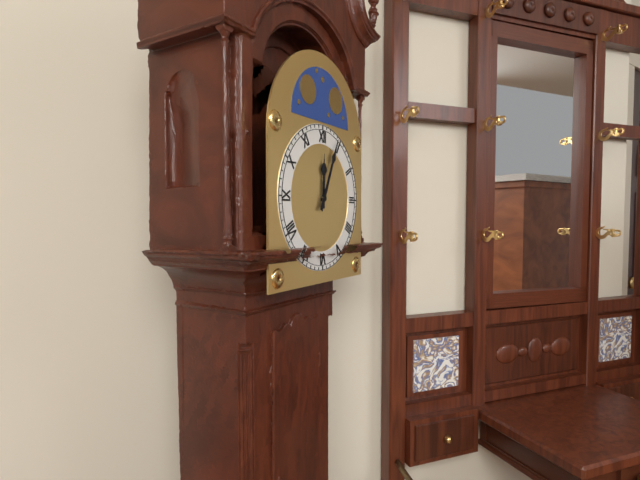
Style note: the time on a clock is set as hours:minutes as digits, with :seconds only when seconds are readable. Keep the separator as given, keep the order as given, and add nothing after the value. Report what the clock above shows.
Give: 12:04
